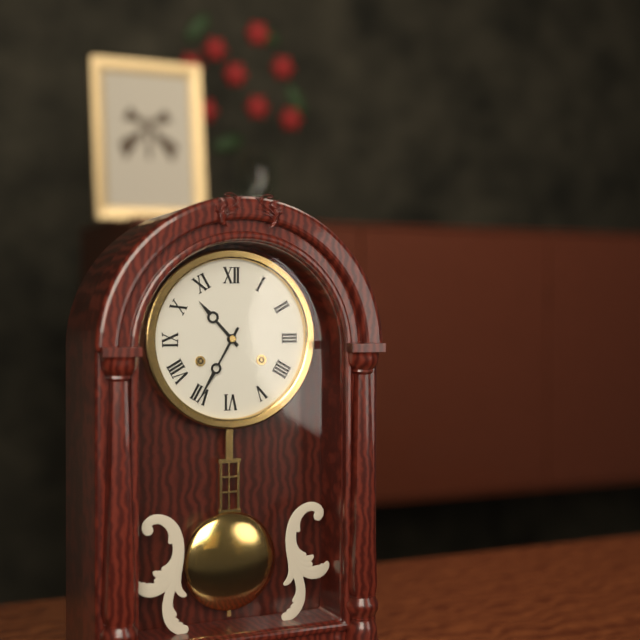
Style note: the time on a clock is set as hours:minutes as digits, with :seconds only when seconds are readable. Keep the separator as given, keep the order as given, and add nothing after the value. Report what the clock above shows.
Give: 10:35
